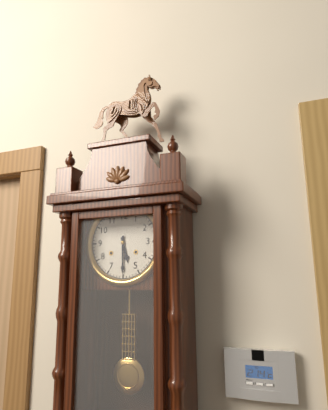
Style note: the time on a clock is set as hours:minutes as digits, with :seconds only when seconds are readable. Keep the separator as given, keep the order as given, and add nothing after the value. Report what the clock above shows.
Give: 5:30
